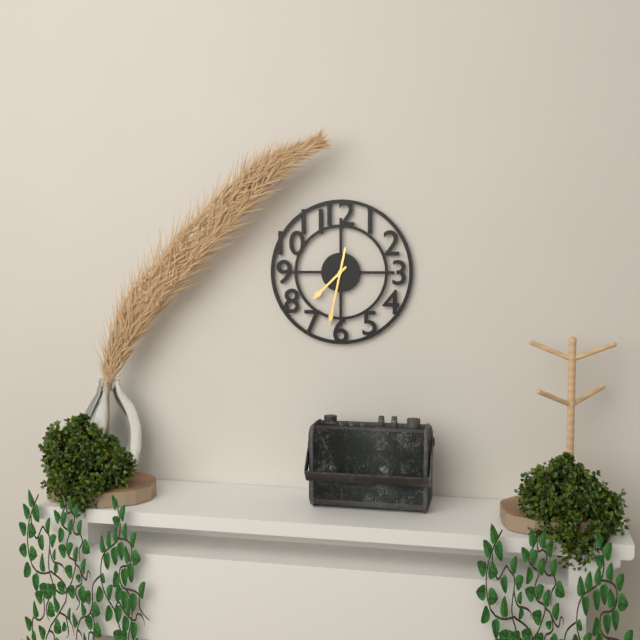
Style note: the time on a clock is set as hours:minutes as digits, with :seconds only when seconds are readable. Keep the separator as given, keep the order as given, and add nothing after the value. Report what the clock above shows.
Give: 7:32
